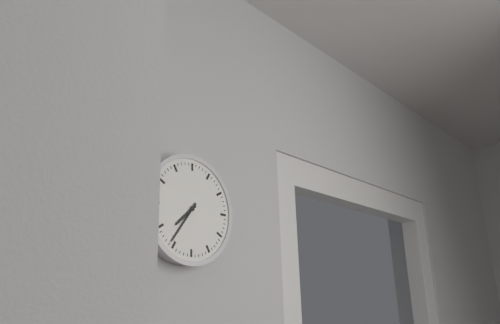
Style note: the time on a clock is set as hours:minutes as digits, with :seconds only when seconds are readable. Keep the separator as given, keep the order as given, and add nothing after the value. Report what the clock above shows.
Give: 7:36
